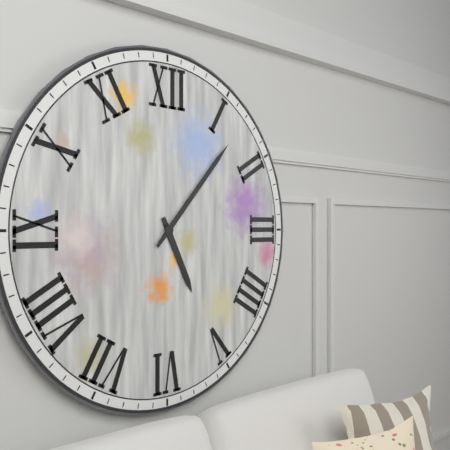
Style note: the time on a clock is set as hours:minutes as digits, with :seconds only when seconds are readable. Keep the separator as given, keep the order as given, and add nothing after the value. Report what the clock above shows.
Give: 5:07
